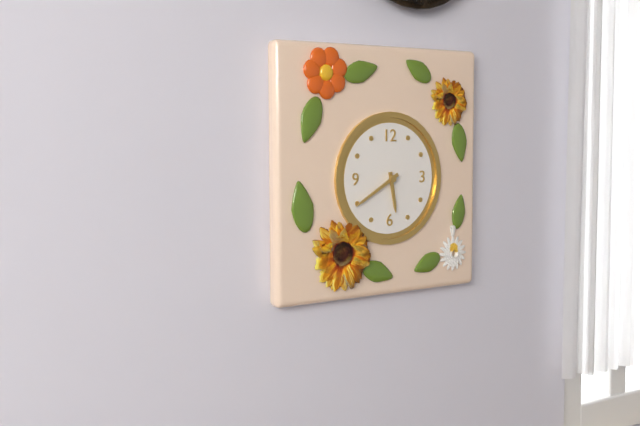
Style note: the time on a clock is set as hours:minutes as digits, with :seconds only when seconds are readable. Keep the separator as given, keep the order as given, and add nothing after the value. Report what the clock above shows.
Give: 5:40
